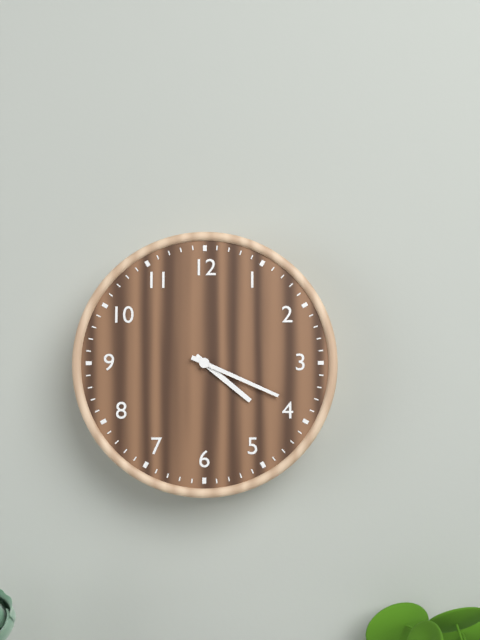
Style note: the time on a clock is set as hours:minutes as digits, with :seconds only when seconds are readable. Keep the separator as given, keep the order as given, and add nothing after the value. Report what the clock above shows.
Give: 4:19
